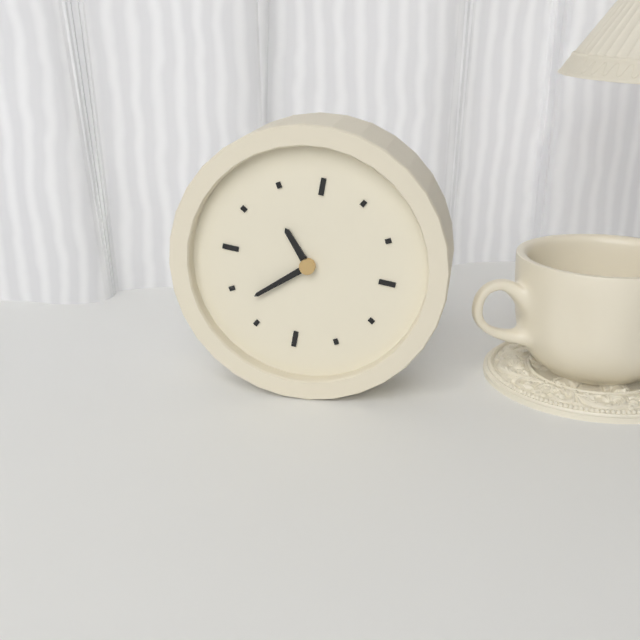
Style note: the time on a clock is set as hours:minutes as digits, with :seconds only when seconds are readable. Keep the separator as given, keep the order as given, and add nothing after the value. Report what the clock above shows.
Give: 10:38
